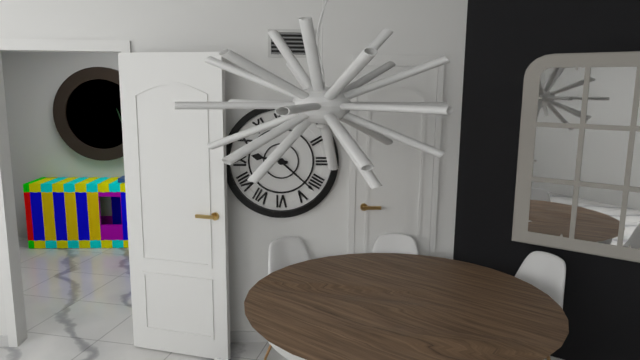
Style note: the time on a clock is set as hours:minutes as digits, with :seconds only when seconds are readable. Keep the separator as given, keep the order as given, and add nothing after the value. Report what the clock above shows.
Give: 9:22
